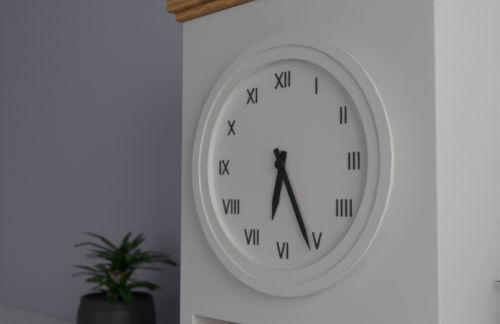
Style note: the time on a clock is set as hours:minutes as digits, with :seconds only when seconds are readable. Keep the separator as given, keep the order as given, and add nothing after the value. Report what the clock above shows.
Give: 6:26
